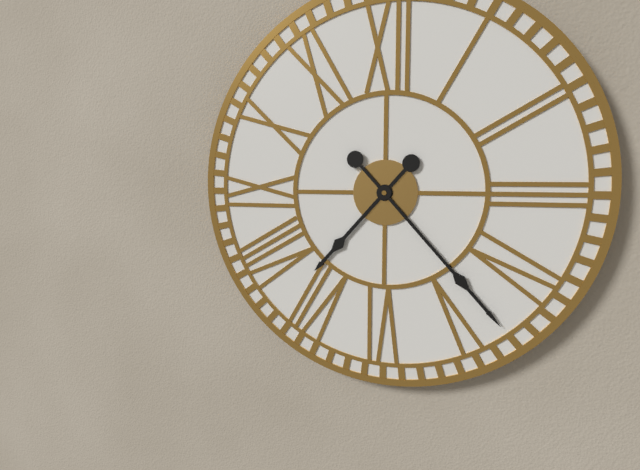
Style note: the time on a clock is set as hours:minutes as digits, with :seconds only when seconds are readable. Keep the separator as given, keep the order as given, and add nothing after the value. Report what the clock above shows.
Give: 7:23
